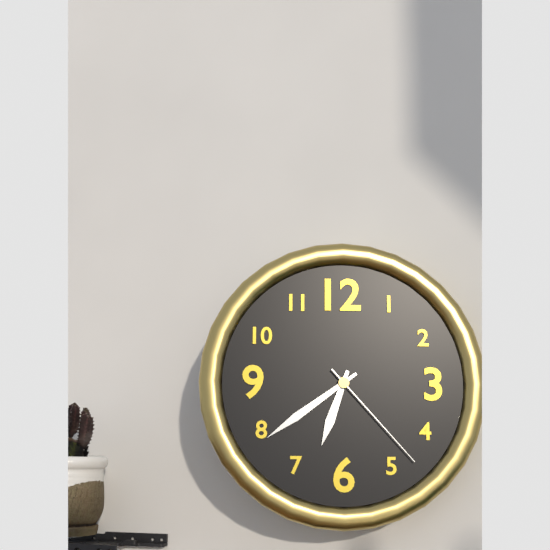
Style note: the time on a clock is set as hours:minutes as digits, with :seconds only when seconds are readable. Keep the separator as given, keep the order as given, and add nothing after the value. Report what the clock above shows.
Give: 6:39:23
